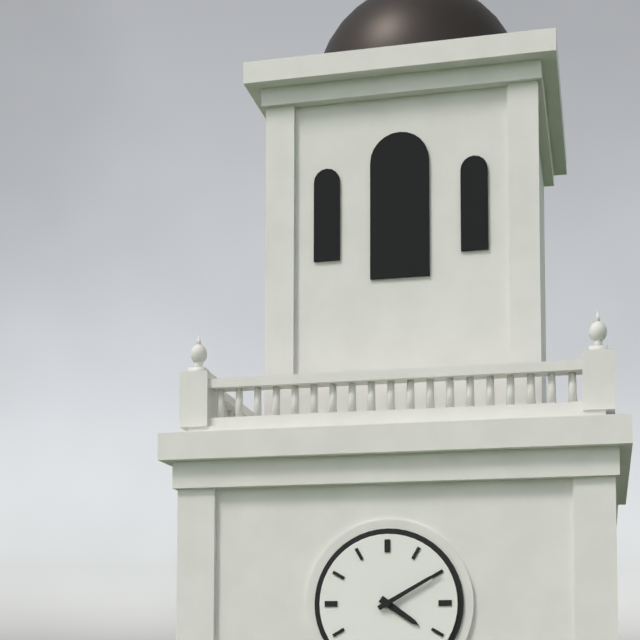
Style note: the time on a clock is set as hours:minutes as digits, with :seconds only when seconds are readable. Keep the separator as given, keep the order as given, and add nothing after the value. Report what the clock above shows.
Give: 4:10
